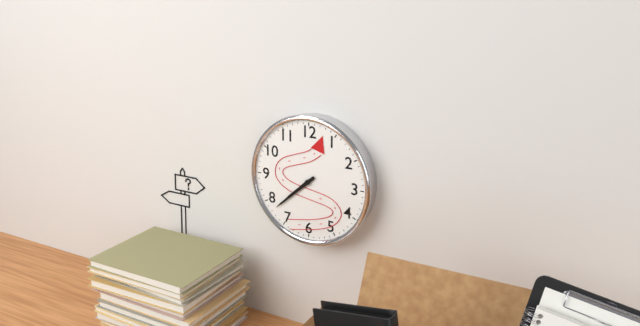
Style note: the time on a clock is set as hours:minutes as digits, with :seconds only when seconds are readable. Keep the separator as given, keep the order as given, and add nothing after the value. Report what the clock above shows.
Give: 7:38
